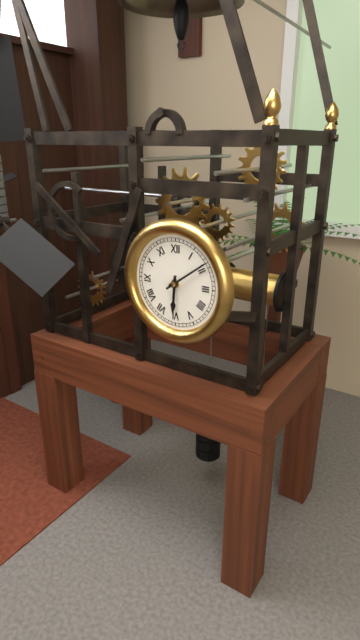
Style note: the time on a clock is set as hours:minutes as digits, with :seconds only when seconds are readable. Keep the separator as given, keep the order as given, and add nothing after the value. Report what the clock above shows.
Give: 6:09
